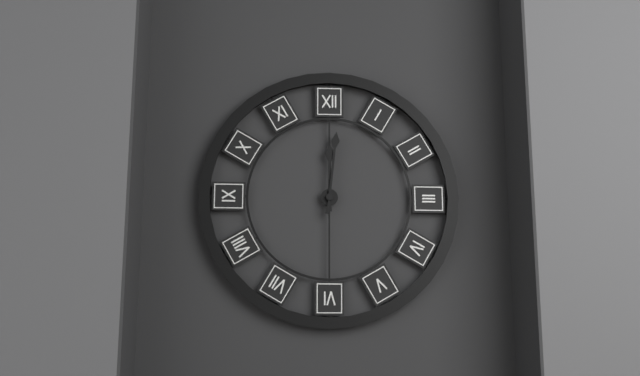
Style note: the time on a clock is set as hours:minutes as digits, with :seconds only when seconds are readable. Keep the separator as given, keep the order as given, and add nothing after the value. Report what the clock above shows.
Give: 12:01
